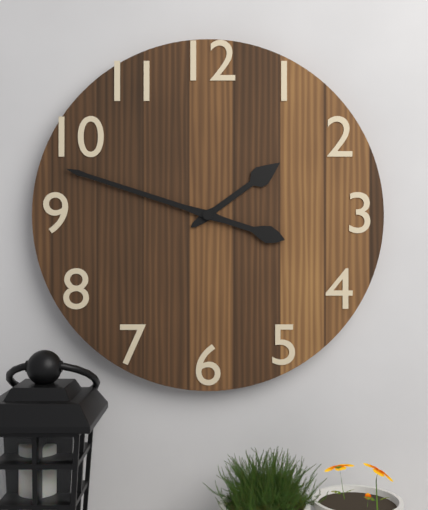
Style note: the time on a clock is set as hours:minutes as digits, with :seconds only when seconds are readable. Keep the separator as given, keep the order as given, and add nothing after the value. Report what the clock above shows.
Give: 1:48
